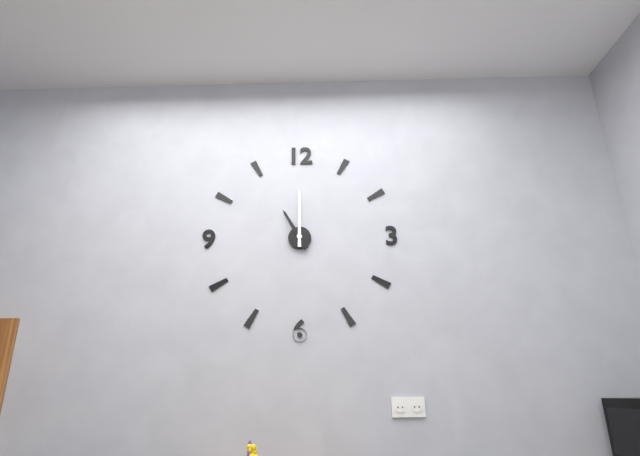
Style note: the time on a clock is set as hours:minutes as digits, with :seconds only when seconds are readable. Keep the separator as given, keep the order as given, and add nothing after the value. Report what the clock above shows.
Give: 11:00
